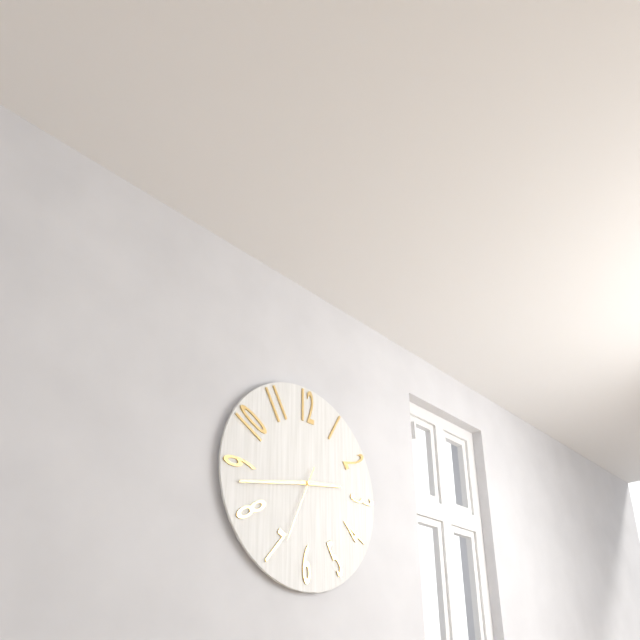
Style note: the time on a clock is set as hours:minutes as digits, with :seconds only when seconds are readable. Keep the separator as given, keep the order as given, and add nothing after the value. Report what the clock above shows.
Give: 2:43:34
